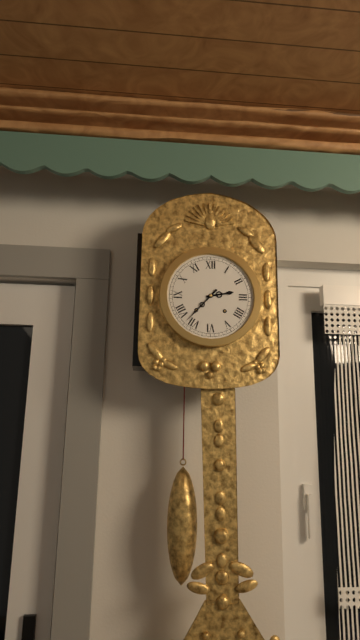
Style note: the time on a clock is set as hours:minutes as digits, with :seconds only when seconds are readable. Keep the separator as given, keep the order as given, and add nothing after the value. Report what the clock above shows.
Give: 2:37
